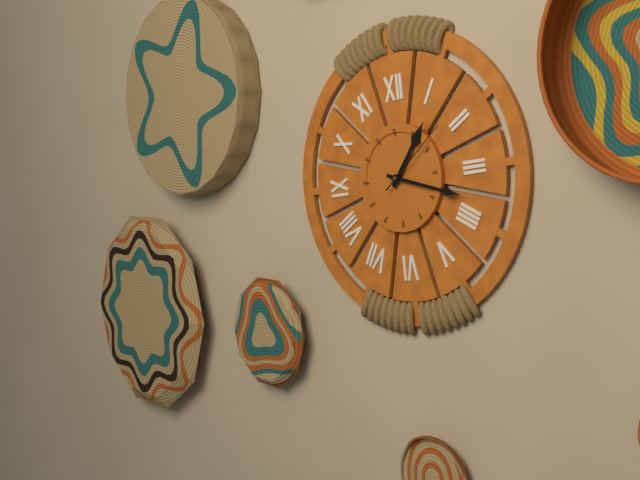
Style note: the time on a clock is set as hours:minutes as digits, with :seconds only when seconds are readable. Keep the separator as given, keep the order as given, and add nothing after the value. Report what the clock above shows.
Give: 1:18:09
